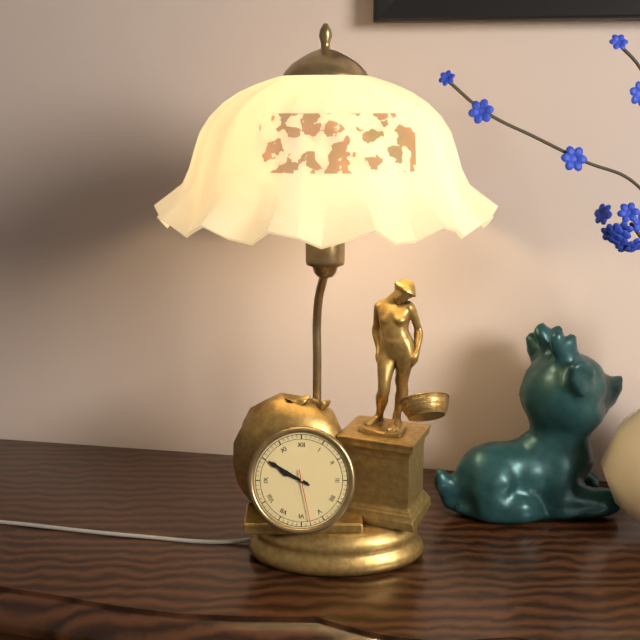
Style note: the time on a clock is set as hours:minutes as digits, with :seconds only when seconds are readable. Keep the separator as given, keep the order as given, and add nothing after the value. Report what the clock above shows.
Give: 9:50:28
